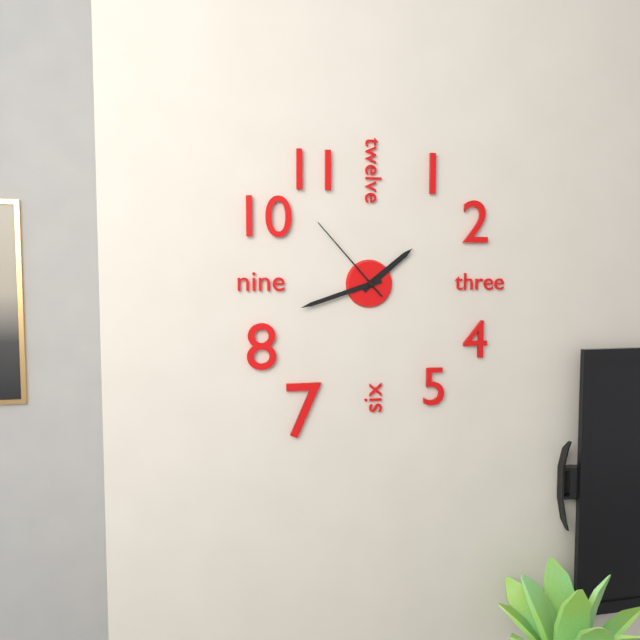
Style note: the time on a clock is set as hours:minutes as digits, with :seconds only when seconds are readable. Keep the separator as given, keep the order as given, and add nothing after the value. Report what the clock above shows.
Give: 1:42:53
